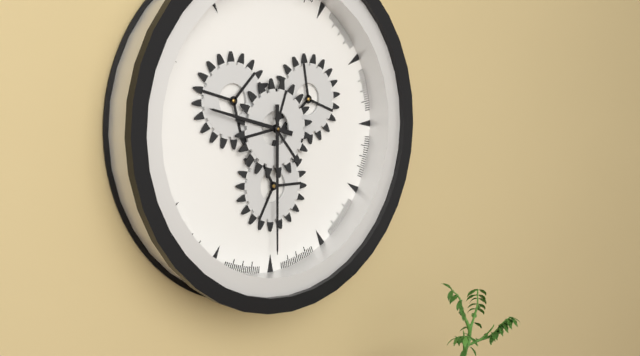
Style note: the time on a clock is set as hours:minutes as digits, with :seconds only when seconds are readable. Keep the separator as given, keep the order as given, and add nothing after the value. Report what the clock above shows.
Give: 9:30
